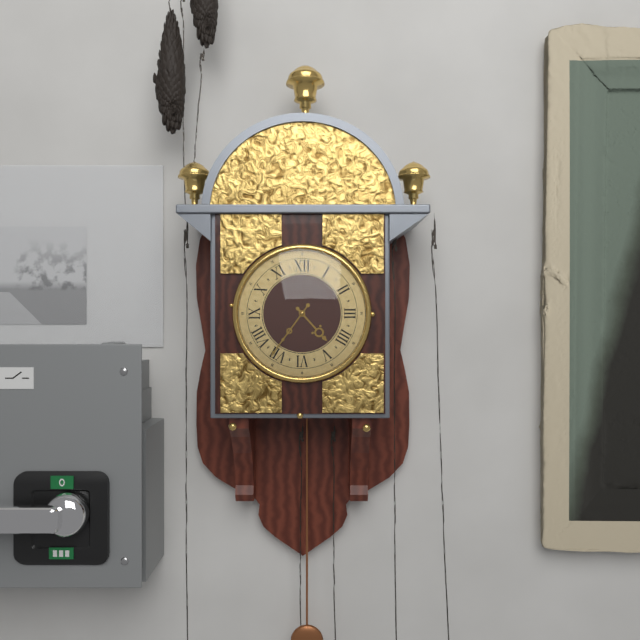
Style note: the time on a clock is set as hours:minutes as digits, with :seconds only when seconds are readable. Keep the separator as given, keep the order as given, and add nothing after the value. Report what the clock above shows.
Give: 4:36
